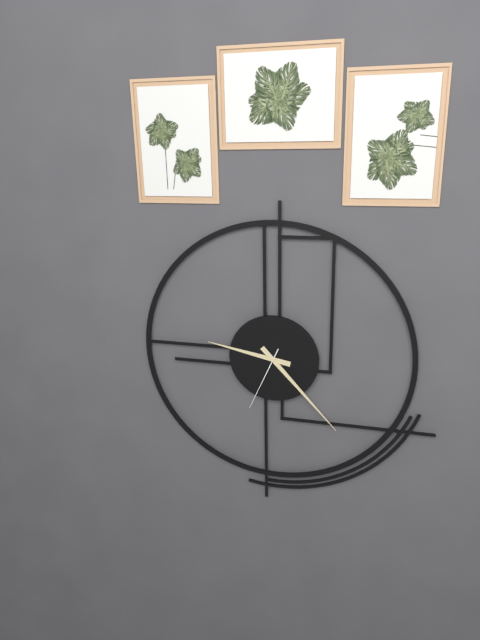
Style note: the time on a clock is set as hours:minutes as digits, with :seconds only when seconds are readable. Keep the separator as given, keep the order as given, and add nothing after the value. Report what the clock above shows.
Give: 9:23:34
